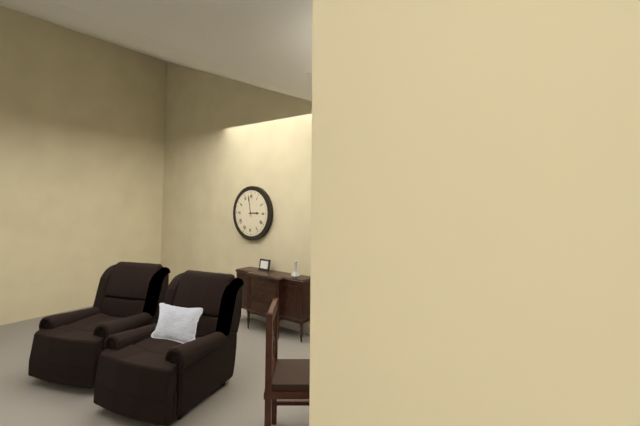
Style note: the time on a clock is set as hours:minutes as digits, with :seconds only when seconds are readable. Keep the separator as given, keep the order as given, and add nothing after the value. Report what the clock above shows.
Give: 2:58
